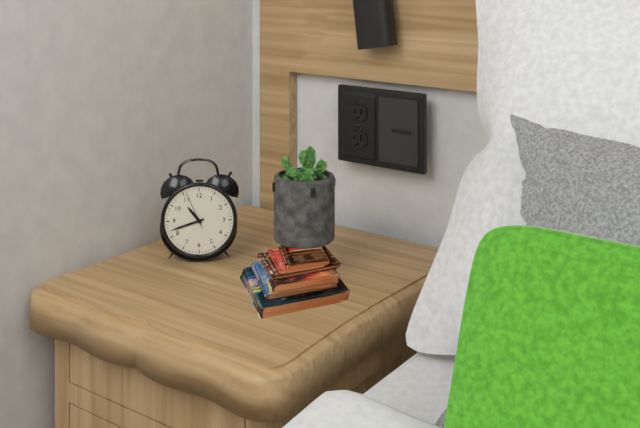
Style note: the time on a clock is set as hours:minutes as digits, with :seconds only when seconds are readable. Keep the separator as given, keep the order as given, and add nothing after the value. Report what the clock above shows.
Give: 10:42
